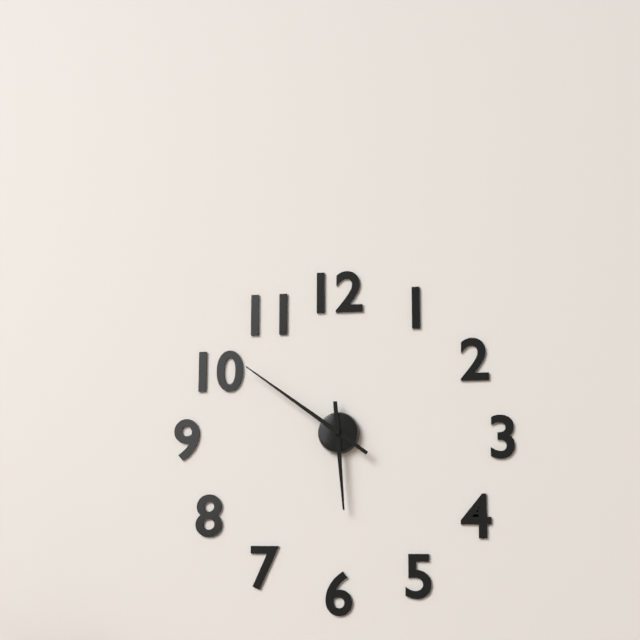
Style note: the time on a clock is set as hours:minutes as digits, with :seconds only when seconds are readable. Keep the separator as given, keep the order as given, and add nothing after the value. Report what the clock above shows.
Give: 5:51
